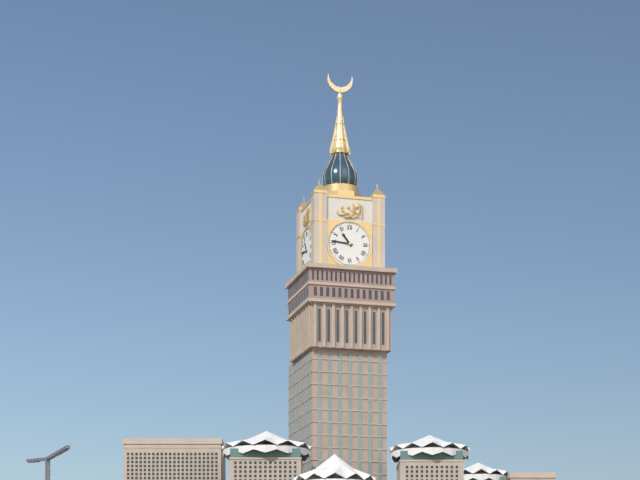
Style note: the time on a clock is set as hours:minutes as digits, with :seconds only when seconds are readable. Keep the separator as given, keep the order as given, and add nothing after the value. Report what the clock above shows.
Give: 10:46
